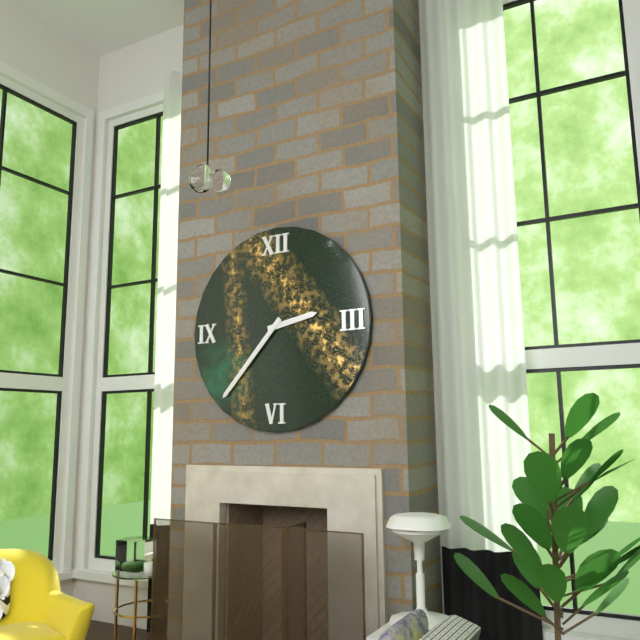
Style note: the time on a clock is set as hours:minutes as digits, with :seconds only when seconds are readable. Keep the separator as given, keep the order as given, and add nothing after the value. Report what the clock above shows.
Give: 2:37
